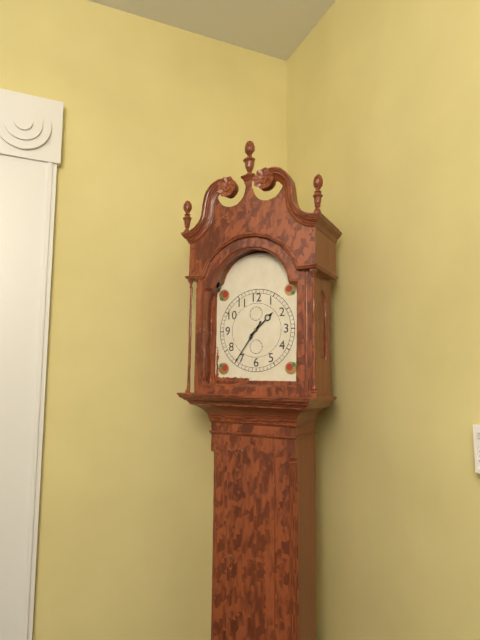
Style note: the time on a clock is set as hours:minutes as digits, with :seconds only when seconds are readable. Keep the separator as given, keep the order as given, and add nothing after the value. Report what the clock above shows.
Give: 1:36
